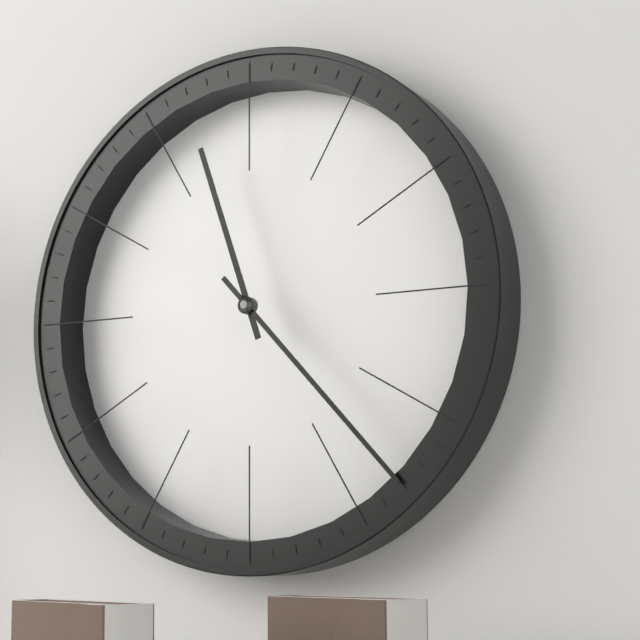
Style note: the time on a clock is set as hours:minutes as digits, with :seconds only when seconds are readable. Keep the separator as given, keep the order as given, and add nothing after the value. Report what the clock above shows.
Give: 11:23
